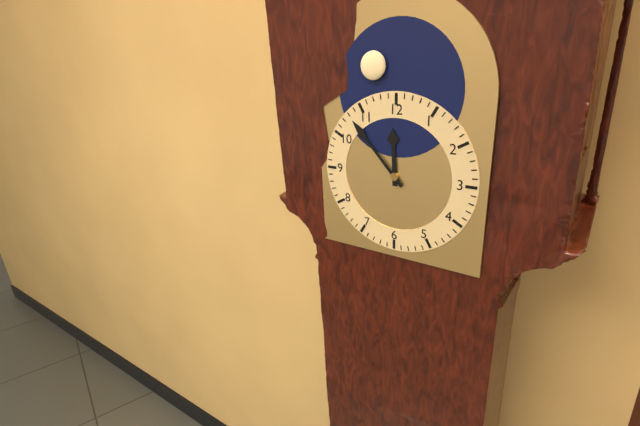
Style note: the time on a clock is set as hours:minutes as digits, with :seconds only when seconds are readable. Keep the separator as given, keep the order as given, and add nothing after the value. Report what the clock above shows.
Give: 11:53
